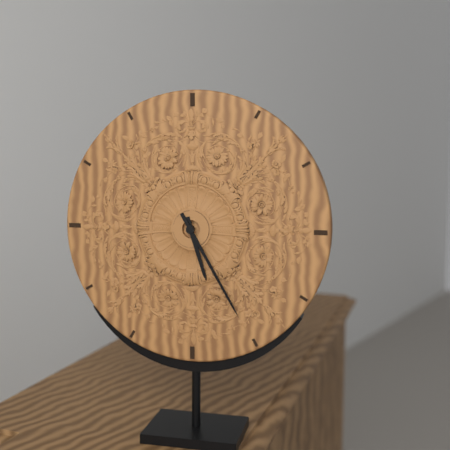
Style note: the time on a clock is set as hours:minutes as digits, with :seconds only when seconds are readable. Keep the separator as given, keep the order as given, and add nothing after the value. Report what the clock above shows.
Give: 5:25
